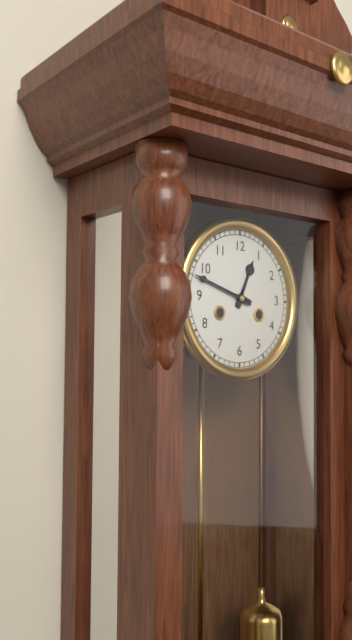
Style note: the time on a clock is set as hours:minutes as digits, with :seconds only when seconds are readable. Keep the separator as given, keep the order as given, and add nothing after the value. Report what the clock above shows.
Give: 12:48
